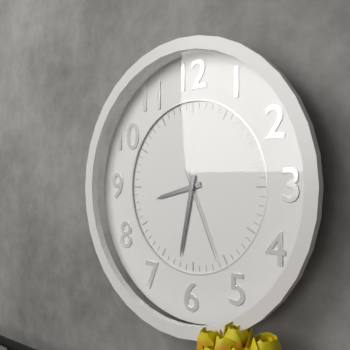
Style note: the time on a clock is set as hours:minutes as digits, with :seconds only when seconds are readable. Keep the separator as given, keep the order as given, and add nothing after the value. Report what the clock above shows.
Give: 8:32:26
